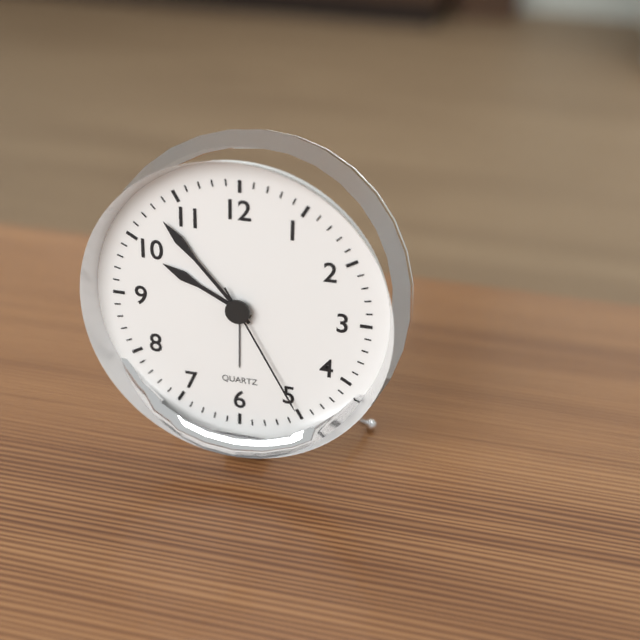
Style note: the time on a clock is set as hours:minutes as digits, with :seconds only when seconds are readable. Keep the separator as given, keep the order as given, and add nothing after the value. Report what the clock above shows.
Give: 9:53:25
